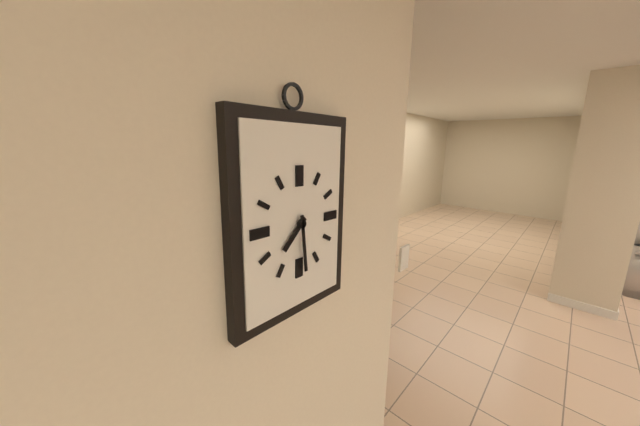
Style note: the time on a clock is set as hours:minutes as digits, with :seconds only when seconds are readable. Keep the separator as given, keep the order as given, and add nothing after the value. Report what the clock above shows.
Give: 7:29
